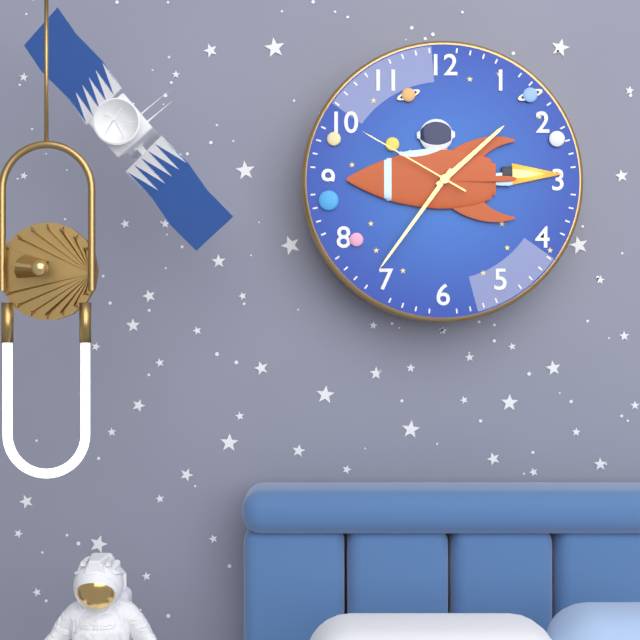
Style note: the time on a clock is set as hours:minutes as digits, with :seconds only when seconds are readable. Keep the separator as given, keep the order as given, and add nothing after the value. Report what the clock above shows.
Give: 1:36:50
